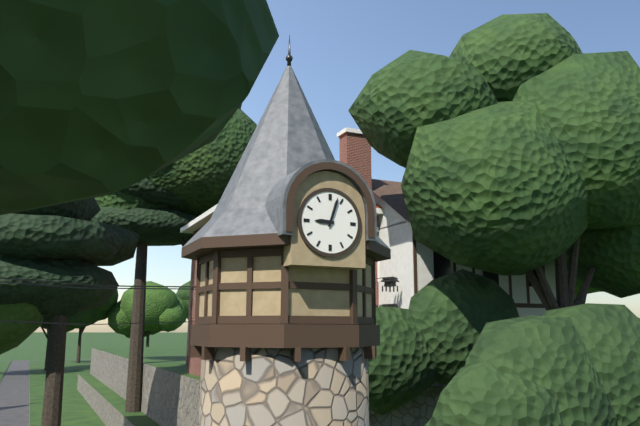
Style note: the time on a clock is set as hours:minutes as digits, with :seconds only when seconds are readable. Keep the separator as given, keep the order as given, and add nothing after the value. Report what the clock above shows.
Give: 9:03
